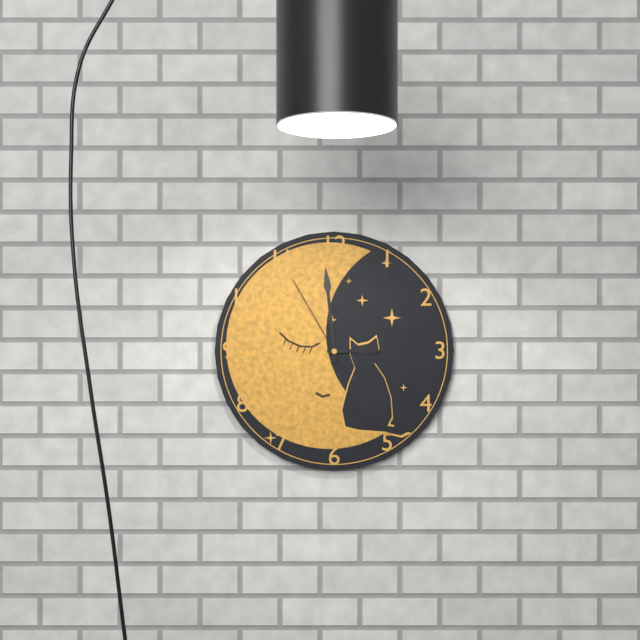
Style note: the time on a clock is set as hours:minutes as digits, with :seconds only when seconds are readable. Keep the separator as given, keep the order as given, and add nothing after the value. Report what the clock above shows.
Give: 2:59:55
